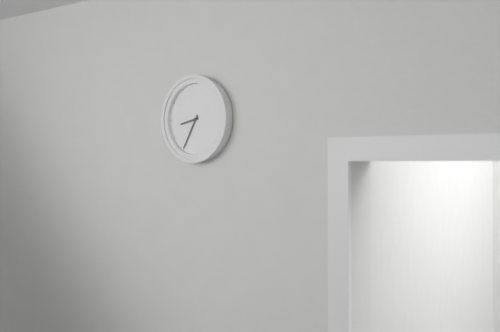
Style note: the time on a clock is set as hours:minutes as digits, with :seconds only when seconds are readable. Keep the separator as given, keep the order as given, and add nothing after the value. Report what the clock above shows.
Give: 8:35
